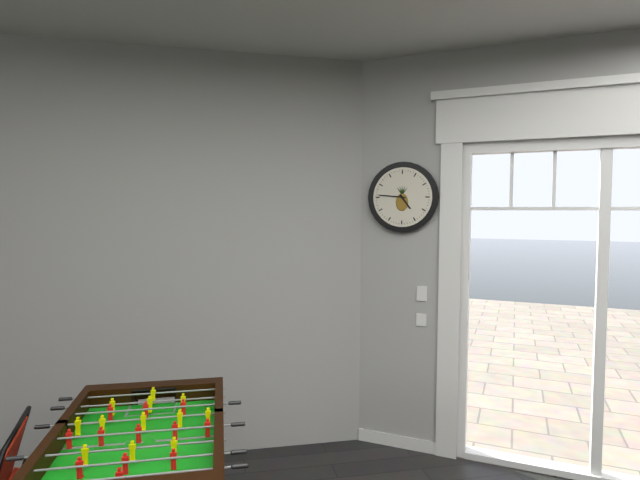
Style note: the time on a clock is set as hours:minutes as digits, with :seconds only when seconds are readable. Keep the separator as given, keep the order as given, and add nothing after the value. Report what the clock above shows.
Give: 4:46
